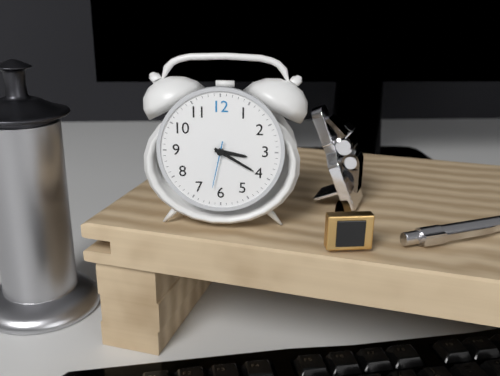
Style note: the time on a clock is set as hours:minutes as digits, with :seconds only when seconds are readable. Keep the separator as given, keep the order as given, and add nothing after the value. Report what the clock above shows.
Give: 3:20
